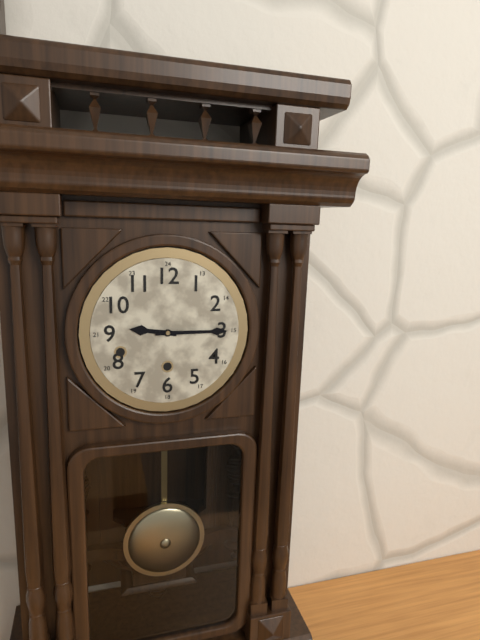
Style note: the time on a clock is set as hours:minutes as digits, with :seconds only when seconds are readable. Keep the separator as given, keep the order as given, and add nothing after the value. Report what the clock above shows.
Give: 9:15
